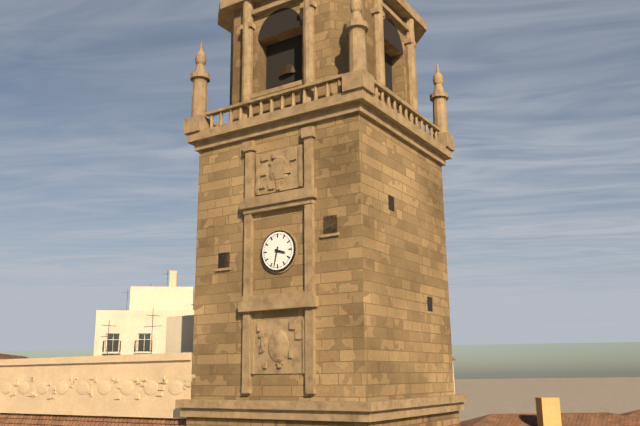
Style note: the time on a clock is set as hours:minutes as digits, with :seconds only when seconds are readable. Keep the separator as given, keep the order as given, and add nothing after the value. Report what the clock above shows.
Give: 3:32
